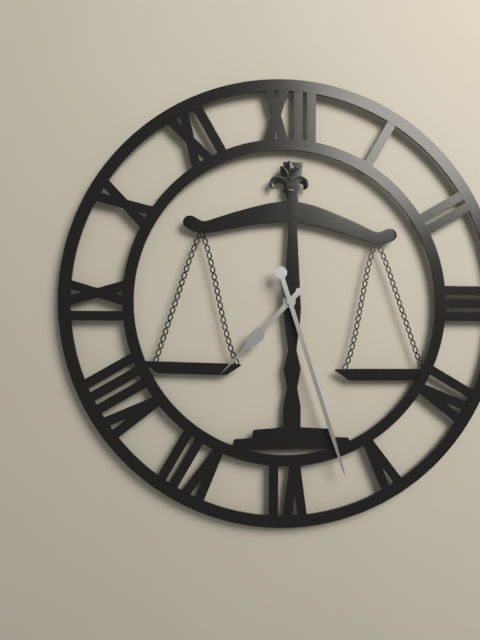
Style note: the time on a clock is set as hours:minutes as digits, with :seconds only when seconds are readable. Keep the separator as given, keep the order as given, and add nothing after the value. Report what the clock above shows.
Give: 7:27
